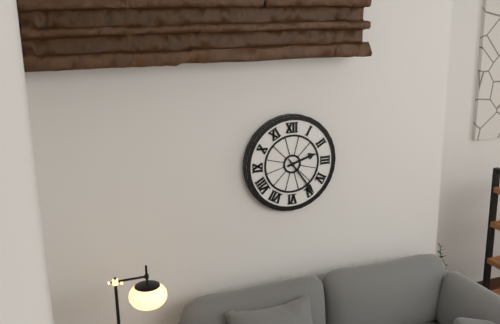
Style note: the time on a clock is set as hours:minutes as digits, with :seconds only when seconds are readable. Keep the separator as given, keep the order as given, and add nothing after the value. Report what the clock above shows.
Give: 2:24
